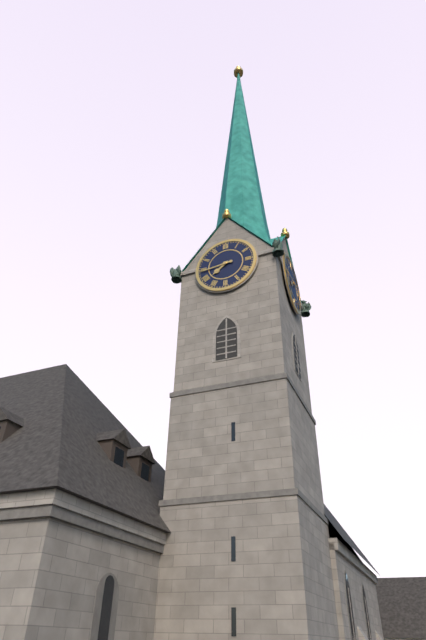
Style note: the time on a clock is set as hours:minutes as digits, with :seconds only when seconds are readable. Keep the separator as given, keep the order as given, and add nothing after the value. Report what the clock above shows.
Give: 7:44
